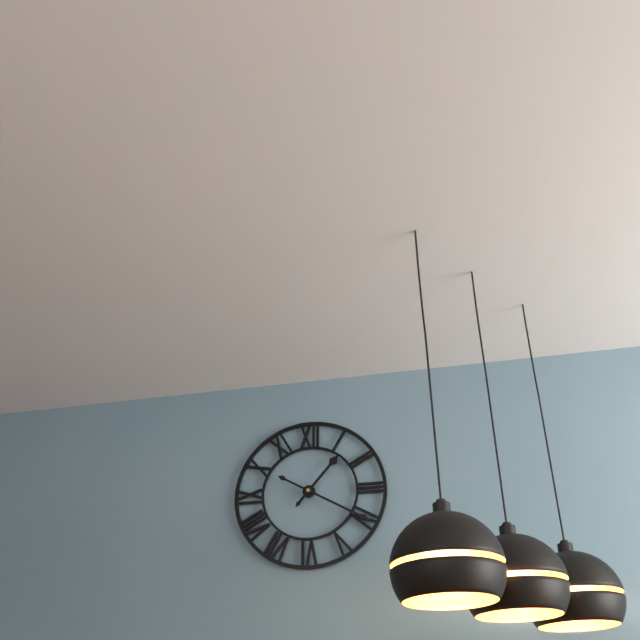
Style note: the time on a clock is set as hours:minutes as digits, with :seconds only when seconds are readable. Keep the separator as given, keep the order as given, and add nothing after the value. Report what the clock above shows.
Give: 1:20
